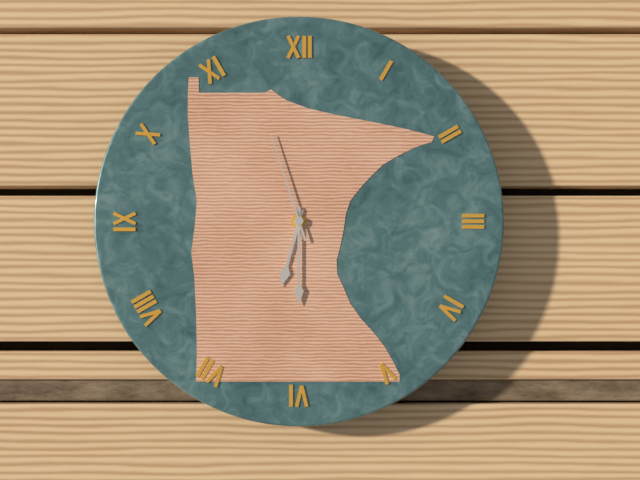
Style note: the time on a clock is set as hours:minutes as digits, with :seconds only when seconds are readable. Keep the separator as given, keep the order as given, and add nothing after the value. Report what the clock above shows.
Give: 6:30:57
